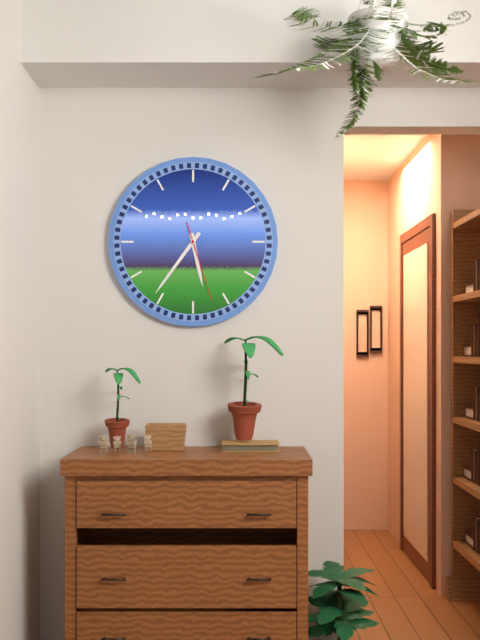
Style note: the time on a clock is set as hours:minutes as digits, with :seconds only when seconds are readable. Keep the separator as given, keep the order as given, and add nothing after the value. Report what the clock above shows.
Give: 5:36:27
